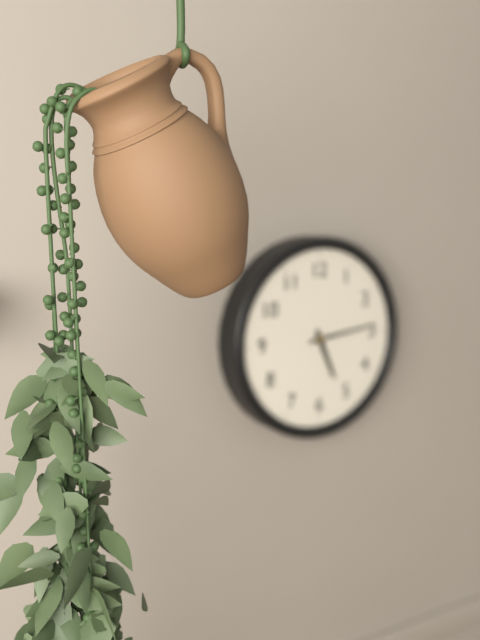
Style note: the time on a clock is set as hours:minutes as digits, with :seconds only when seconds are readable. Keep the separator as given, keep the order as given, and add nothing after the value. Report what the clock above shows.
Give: 5:14
